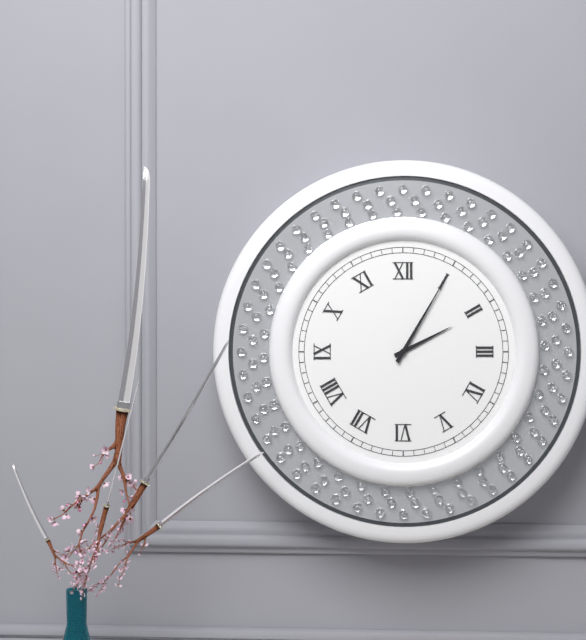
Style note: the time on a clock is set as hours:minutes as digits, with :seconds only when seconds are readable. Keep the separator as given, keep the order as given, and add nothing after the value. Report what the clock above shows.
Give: 2:05
